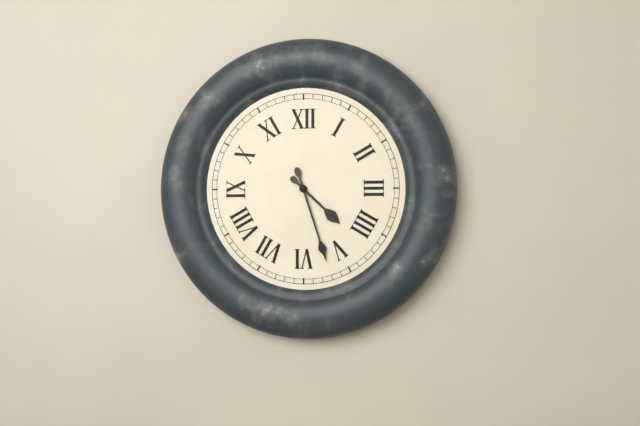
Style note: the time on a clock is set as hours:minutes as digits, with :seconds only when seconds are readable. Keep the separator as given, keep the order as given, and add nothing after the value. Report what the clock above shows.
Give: 4:27
